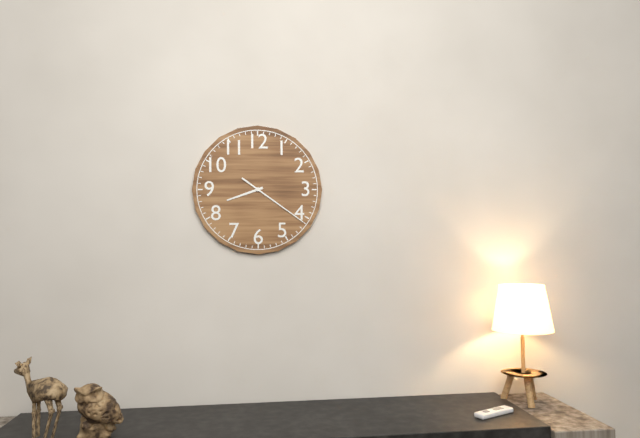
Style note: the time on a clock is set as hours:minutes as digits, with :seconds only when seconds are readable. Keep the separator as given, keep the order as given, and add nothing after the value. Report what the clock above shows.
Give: 8:21
